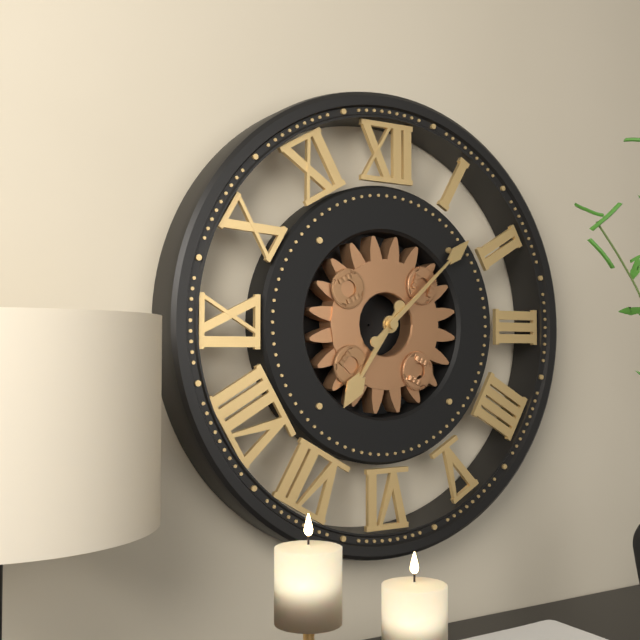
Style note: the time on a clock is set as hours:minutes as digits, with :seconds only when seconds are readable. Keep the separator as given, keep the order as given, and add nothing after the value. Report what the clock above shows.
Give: 7:08
